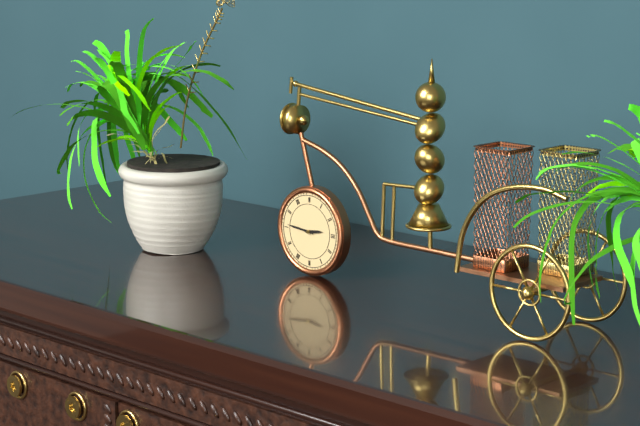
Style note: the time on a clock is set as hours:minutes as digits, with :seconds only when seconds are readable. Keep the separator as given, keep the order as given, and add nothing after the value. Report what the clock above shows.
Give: 2:46
